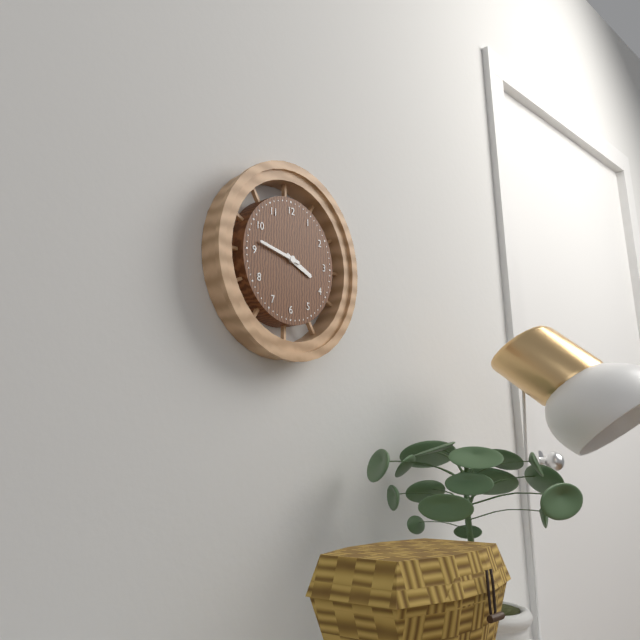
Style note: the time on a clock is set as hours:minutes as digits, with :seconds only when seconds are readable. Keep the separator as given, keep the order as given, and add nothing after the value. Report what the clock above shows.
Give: 3:47
